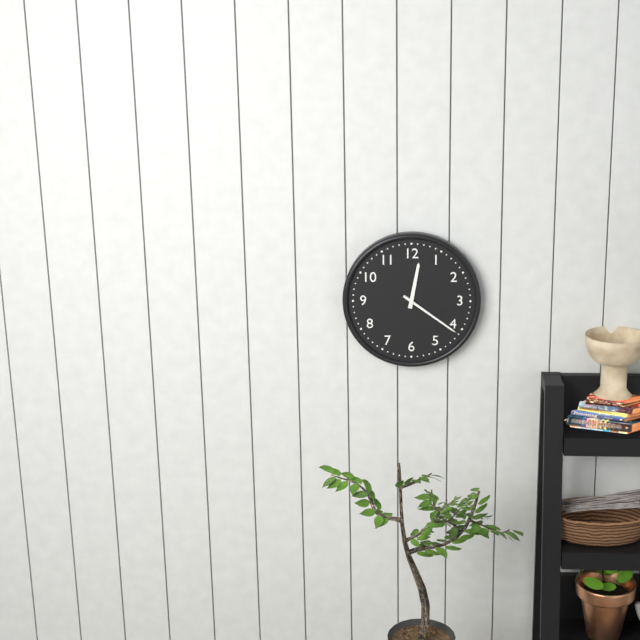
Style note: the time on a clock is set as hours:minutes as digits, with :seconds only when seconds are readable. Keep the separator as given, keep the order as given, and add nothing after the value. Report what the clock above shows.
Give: 12:21
